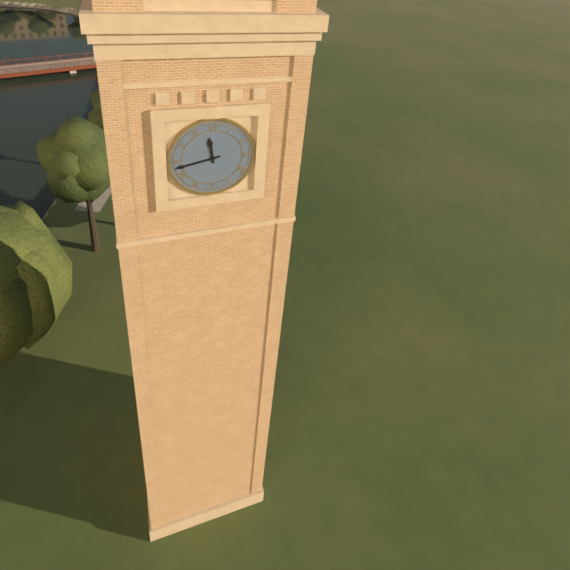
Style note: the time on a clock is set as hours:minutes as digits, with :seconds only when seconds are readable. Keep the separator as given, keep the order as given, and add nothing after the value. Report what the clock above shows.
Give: 11:43
